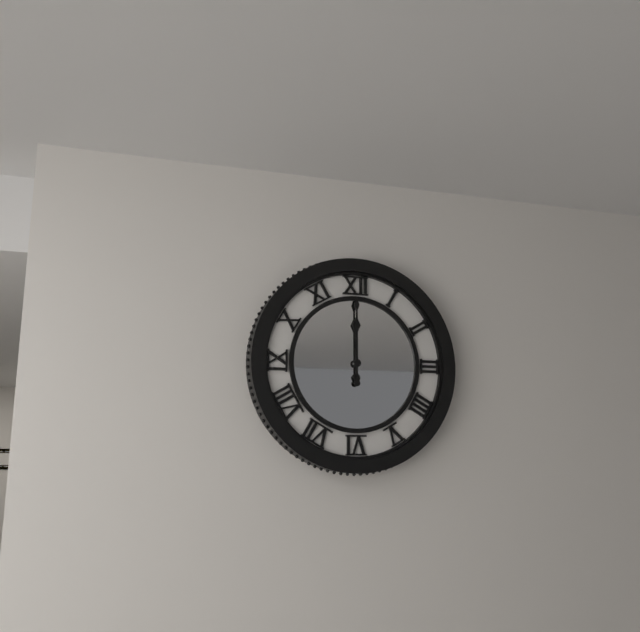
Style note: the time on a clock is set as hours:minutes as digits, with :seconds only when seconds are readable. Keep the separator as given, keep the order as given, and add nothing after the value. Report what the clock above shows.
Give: 12:00
